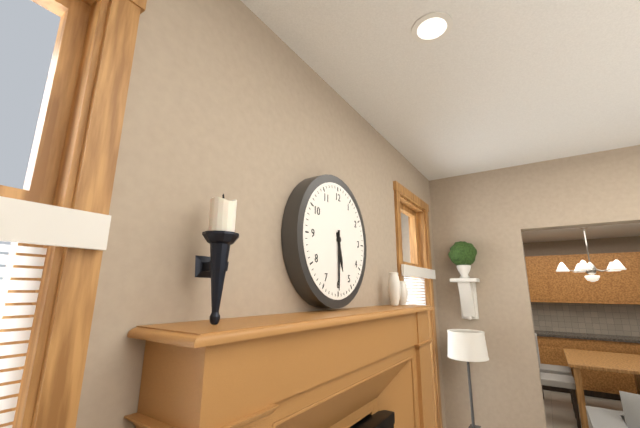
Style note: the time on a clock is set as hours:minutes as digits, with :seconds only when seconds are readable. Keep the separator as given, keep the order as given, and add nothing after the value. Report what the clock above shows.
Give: 5:30
